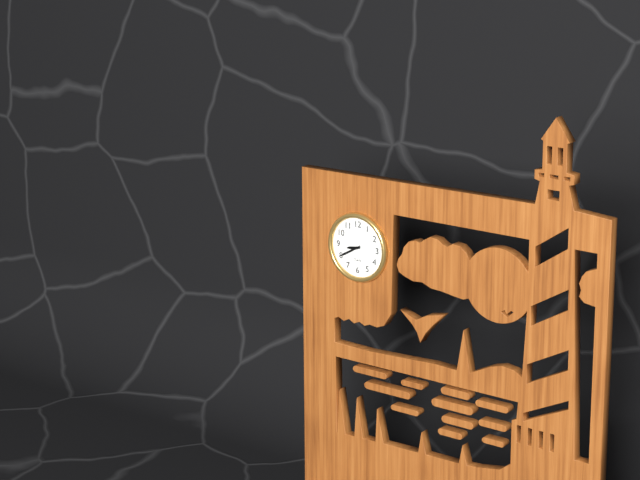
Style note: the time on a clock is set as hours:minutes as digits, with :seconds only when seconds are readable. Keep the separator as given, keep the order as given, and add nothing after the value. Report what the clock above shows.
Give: 8:40
